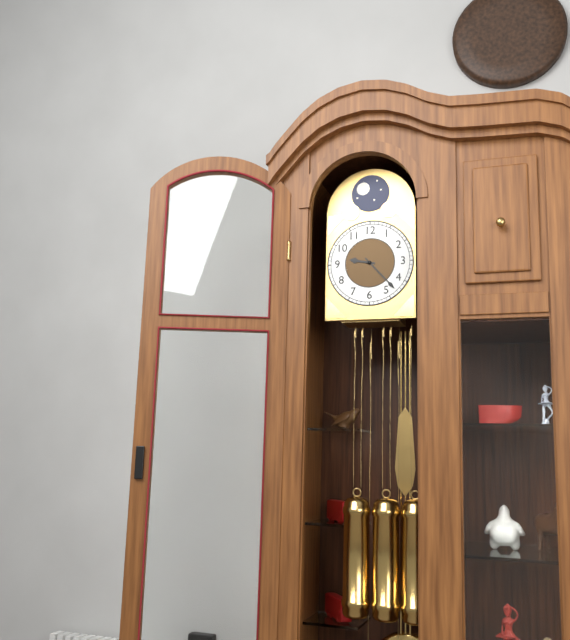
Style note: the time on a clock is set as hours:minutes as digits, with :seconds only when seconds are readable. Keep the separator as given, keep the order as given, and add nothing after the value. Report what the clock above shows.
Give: 9:23
